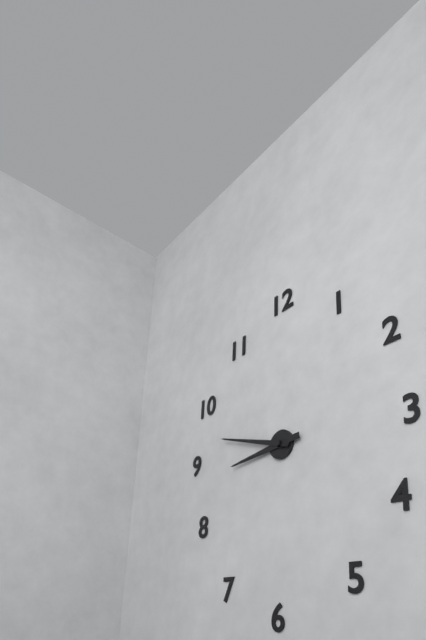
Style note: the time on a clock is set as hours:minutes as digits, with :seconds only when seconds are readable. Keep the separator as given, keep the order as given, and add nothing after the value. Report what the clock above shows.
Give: 8:48
